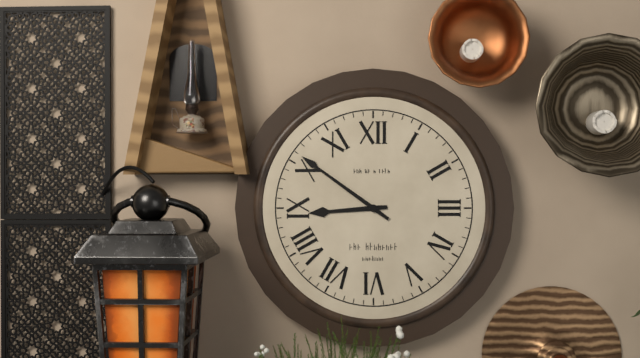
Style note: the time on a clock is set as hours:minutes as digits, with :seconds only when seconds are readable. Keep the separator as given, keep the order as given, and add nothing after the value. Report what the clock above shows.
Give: 8:51
